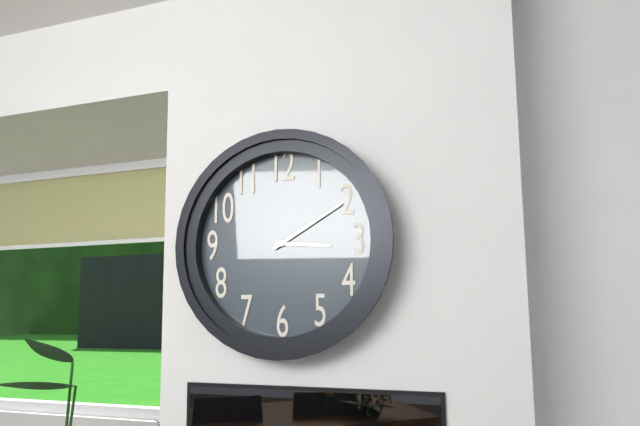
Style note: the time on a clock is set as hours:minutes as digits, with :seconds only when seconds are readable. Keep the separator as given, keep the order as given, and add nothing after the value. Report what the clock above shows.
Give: 3:10
